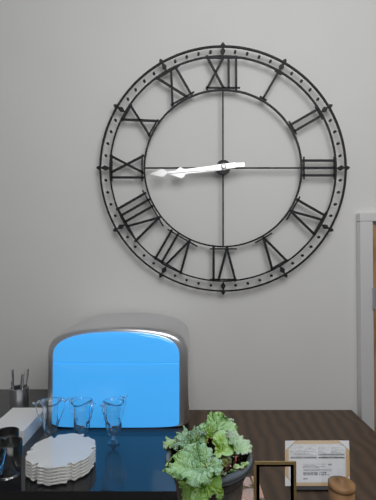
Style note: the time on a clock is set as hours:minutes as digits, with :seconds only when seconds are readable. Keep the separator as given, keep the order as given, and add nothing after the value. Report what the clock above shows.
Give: 8:44
